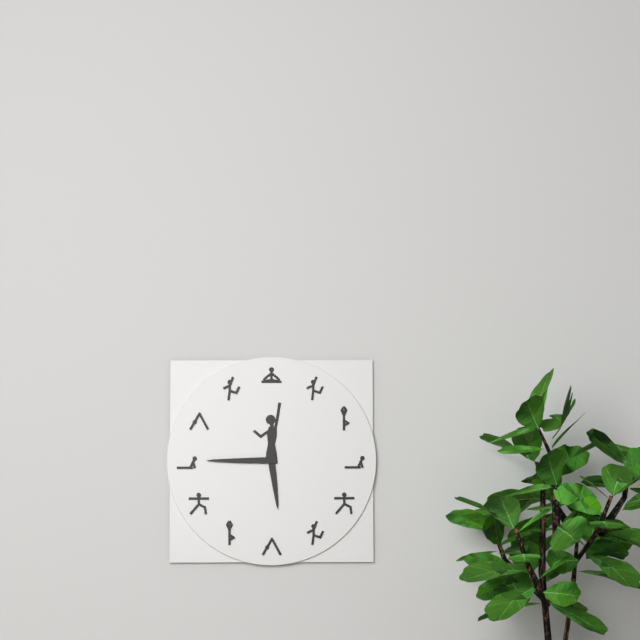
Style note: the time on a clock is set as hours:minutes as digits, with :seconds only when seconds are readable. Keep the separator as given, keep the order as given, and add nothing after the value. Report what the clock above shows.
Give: 5:45
